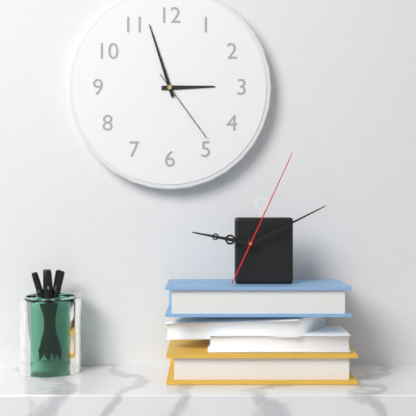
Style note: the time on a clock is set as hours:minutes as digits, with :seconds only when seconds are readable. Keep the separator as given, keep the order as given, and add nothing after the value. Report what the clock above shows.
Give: 2:57:24
